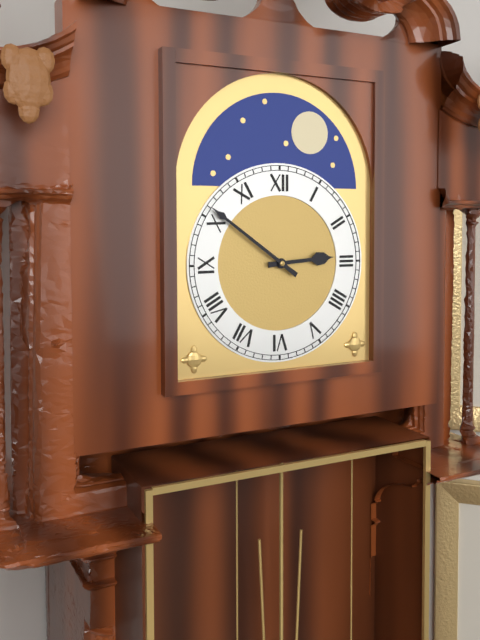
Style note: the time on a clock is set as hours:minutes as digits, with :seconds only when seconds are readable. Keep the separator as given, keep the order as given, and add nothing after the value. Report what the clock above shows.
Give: 2:51
